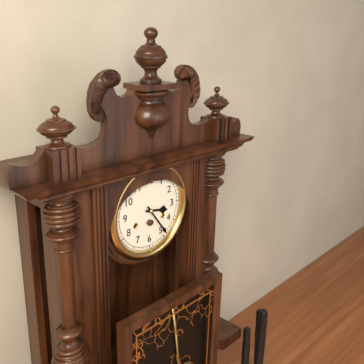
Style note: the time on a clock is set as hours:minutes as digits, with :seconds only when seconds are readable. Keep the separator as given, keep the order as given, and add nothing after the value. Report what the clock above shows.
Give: 3:24
